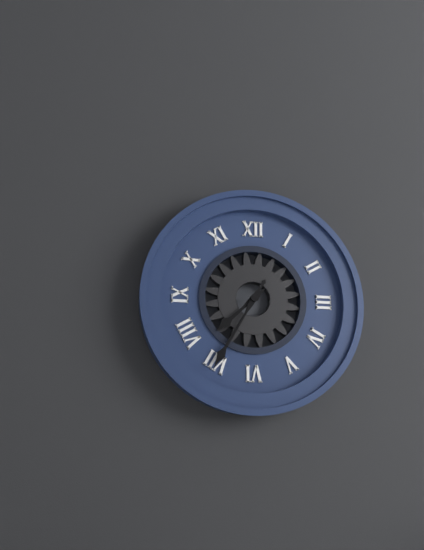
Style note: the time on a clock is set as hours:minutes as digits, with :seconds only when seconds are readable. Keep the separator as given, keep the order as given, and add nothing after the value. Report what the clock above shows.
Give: 7:35
